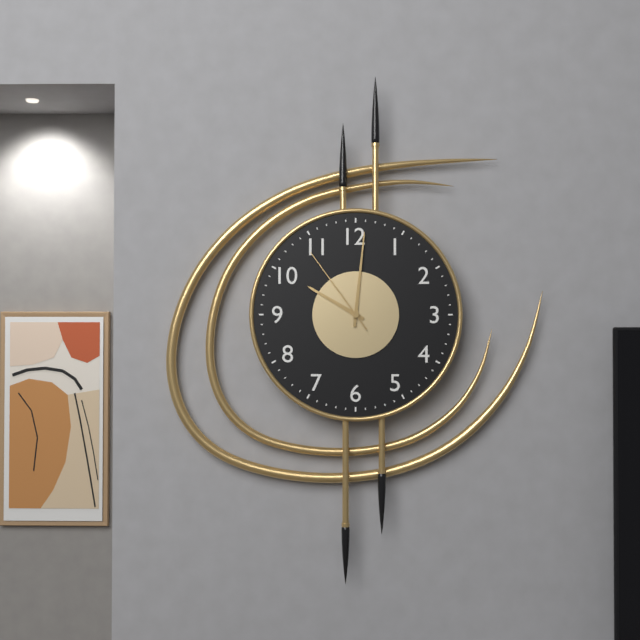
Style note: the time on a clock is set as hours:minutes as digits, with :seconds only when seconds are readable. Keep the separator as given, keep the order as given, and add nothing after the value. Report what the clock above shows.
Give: 10:01:54
